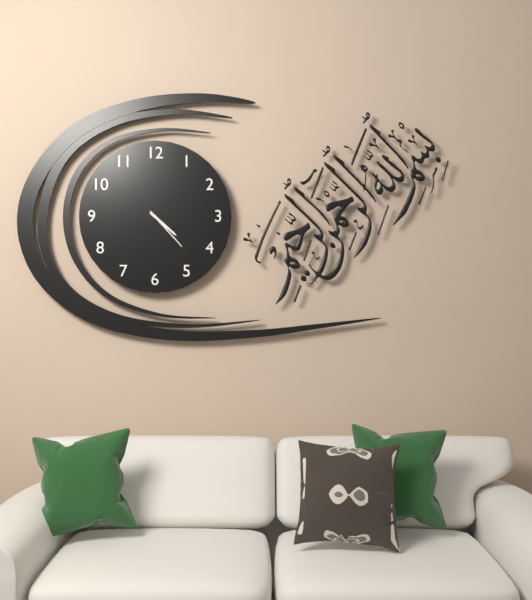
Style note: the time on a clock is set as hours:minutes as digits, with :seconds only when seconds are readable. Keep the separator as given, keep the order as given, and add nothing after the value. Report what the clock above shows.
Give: 4:23
